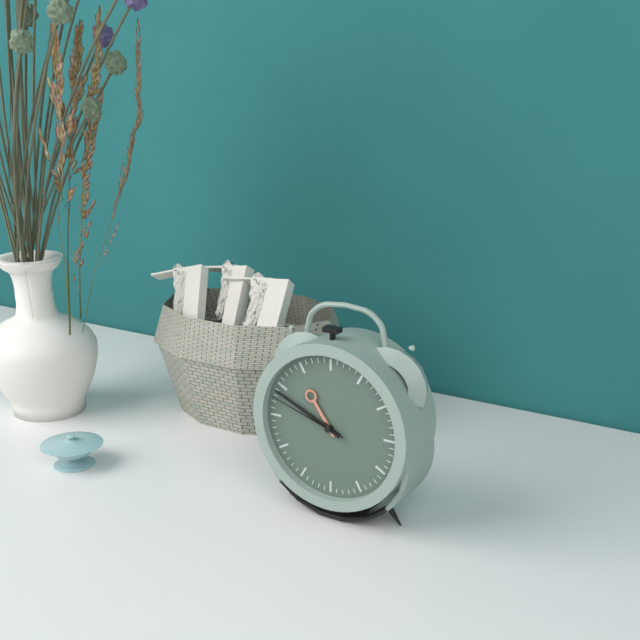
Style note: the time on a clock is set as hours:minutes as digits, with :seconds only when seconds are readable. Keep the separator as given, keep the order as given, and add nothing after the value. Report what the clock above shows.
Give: 10:49:48
